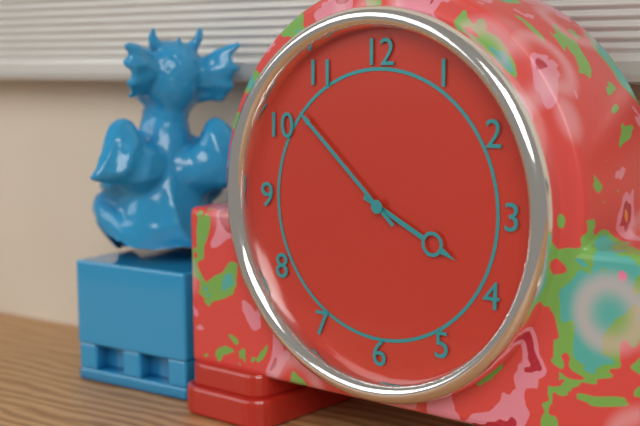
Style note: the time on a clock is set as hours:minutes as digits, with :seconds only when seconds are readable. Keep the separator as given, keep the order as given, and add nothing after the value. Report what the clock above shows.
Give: 3:52
